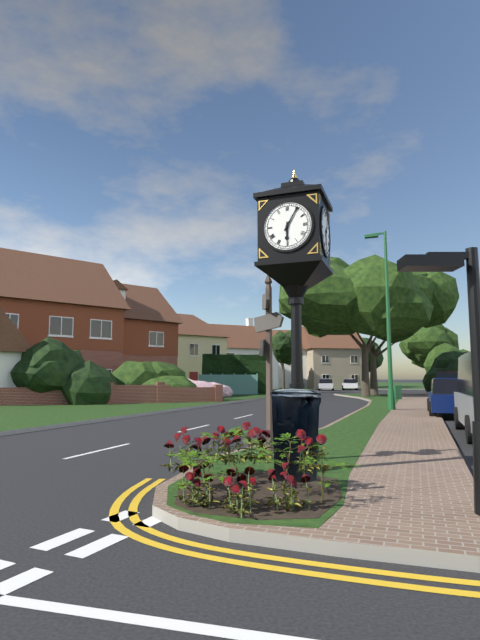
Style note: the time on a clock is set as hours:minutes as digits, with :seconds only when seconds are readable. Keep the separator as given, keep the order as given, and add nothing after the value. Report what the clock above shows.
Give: 6:05
